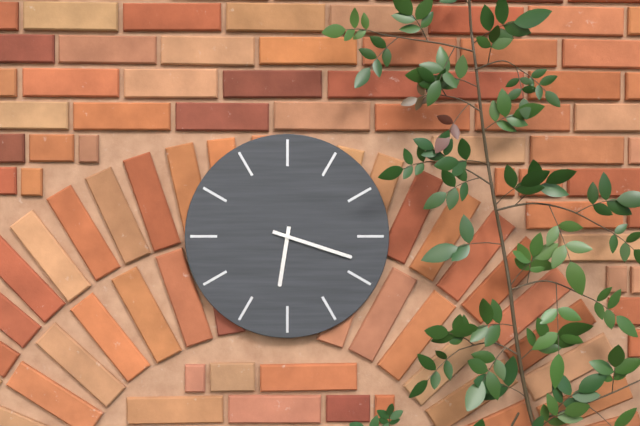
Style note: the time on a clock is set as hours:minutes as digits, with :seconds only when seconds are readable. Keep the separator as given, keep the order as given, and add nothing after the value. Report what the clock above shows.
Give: 6:18
